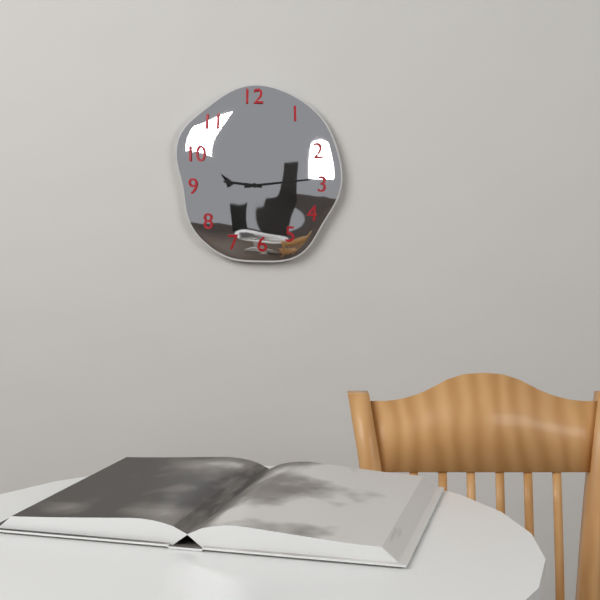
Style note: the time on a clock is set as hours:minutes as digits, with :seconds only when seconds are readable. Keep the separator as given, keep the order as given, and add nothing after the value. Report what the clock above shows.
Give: 9:14
